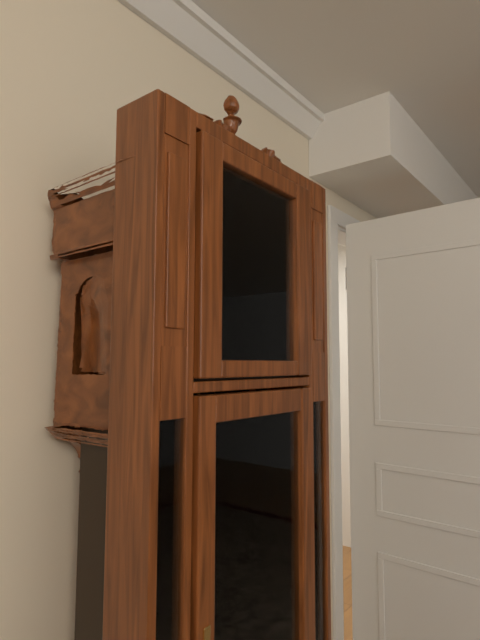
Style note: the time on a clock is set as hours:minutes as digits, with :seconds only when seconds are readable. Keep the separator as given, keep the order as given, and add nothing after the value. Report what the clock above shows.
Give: 3:40
